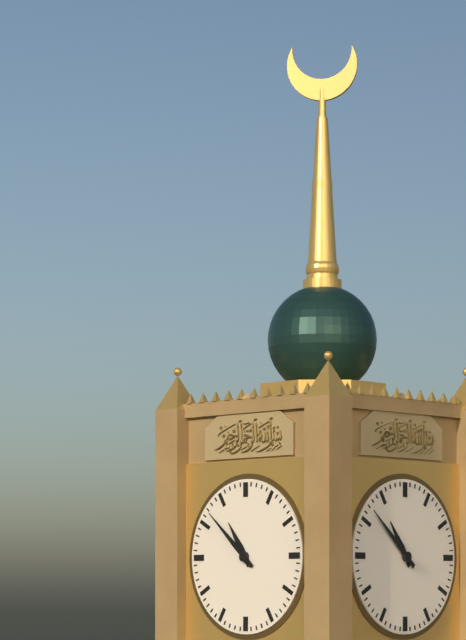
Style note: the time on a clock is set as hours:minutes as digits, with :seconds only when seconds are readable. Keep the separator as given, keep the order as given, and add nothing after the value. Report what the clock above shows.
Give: 10:52
